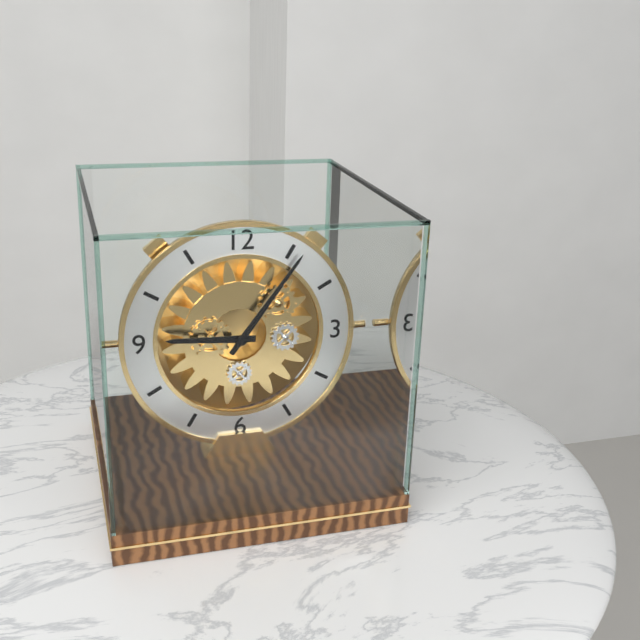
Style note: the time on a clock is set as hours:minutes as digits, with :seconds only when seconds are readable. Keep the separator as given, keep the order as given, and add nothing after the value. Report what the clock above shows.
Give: 9:06
